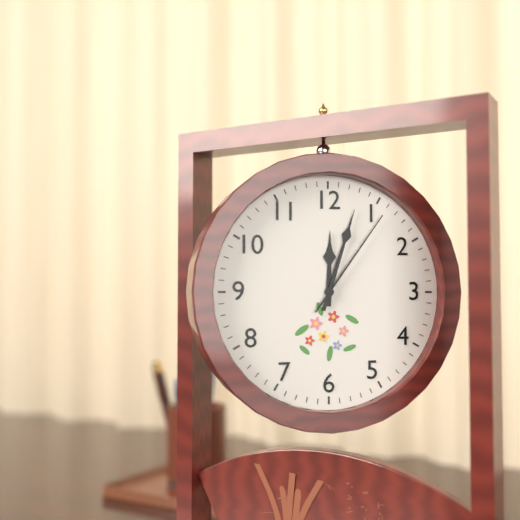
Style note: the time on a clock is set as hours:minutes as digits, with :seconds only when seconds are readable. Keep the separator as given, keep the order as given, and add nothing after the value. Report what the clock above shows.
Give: 12:03:06
